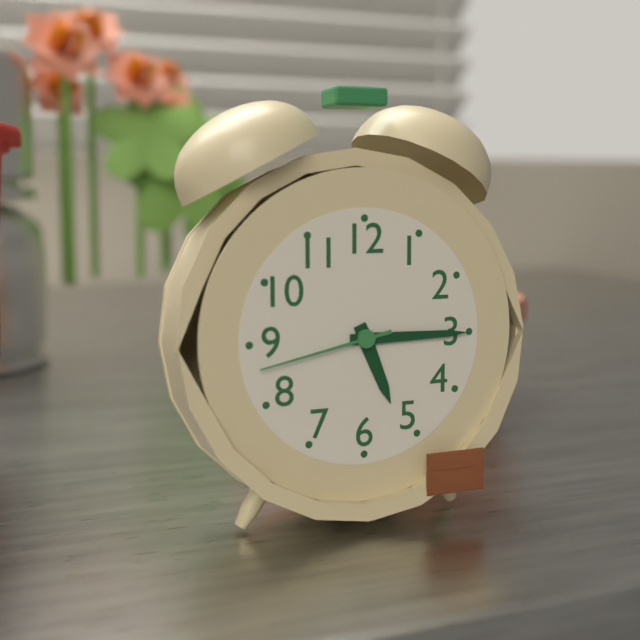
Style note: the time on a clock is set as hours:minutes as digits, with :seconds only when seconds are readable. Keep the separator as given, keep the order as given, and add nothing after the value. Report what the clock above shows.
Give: 5:15:43
